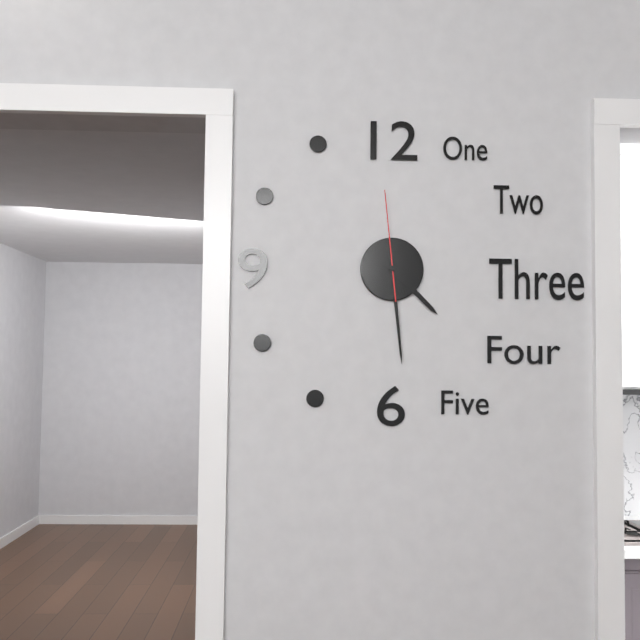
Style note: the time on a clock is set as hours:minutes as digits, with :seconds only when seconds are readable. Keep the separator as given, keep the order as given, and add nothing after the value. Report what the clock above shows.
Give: 4:29:59
